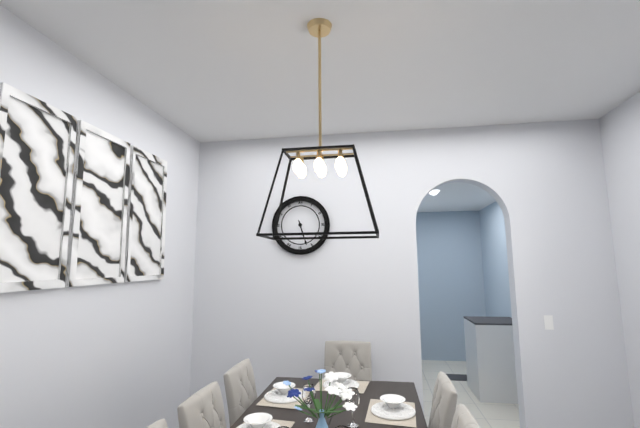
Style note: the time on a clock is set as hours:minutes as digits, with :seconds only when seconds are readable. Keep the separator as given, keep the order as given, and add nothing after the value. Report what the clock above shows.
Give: 5:27
